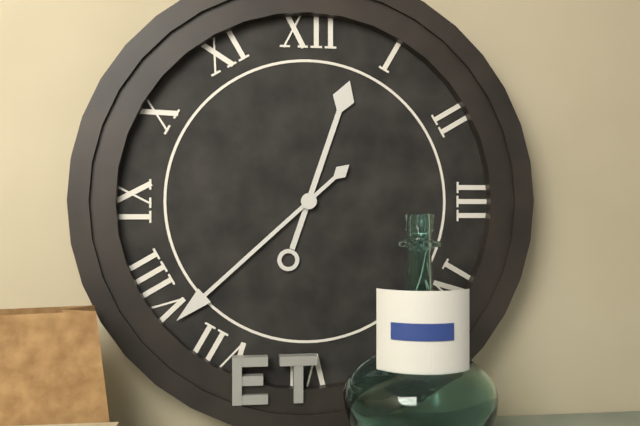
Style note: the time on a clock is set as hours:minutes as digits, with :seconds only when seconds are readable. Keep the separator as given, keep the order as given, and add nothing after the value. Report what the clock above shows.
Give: 12:38
